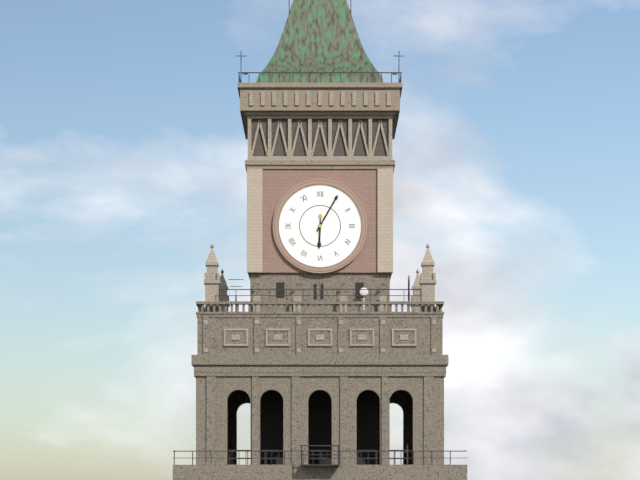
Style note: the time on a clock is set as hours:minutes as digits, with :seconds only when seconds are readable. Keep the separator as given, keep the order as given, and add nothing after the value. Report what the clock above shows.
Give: 6:05
